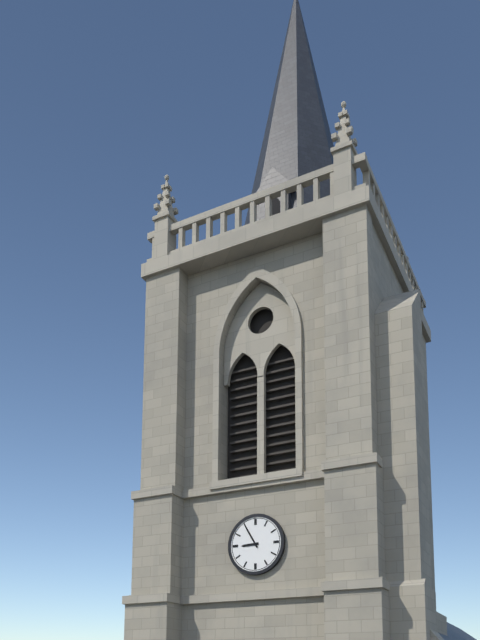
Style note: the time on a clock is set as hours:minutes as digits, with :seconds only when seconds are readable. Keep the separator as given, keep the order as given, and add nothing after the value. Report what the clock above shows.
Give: 8:55
